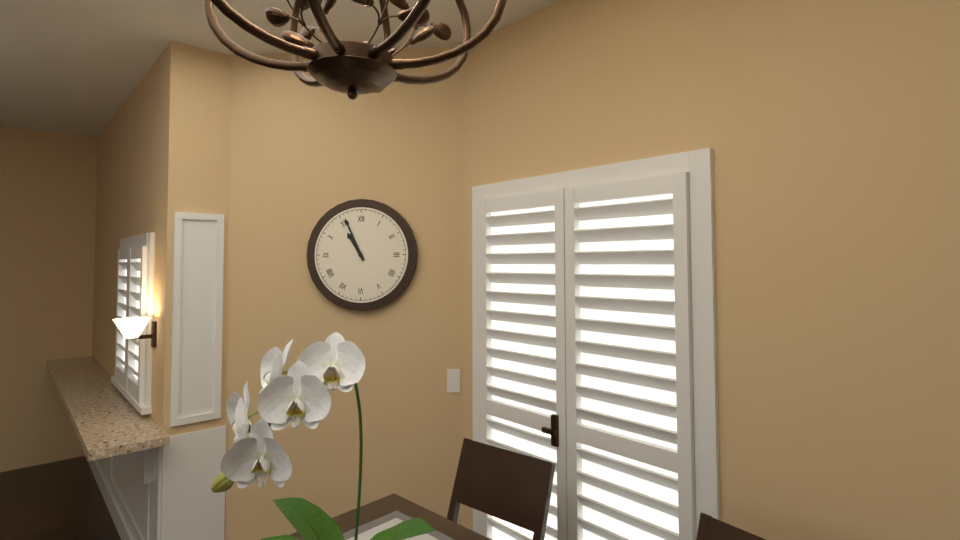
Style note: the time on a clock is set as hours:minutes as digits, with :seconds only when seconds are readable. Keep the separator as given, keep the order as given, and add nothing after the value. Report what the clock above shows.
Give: 10:56
